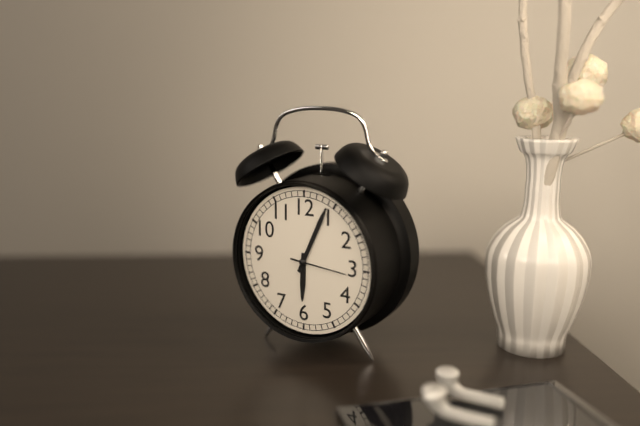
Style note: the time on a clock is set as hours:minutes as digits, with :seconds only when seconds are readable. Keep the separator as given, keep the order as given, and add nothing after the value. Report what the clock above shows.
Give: 6:04:16
